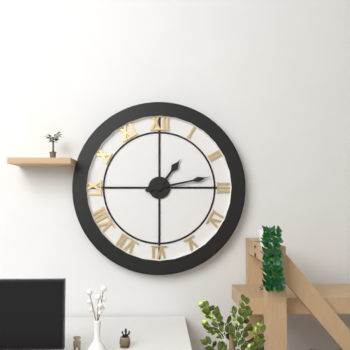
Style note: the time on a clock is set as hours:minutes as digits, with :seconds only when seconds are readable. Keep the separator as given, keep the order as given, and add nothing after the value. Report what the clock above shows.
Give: 1:13
